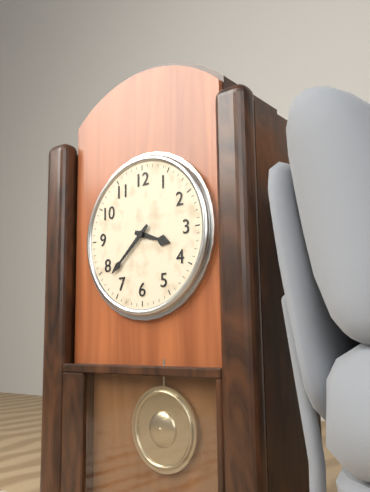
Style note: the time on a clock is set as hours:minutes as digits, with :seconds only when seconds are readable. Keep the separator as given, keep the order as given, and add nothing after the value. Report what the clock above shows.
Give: 3:38
